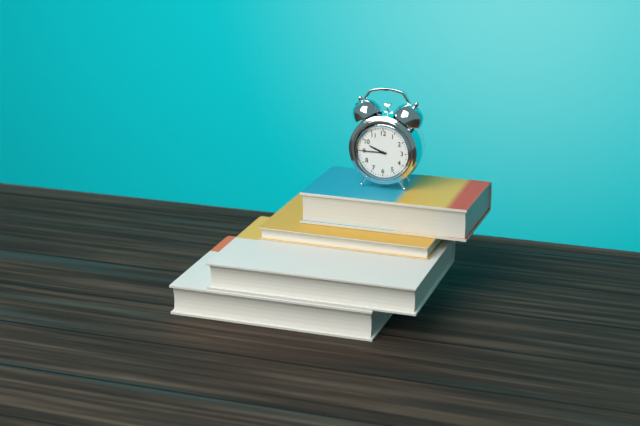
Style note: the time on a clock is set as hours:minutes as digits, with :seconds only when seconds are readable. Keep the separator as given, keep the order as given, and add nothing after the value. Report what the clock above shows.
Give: 9:45
